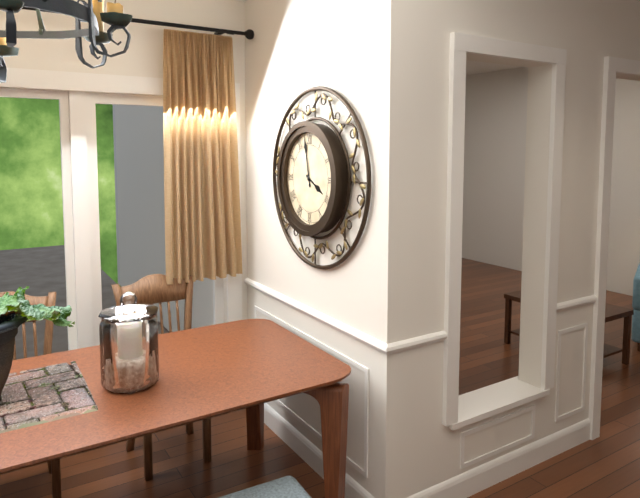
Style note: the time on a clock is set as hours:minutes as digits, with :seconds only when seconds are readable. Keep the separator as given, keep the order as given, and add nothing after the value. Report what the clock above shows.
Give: 3:58
